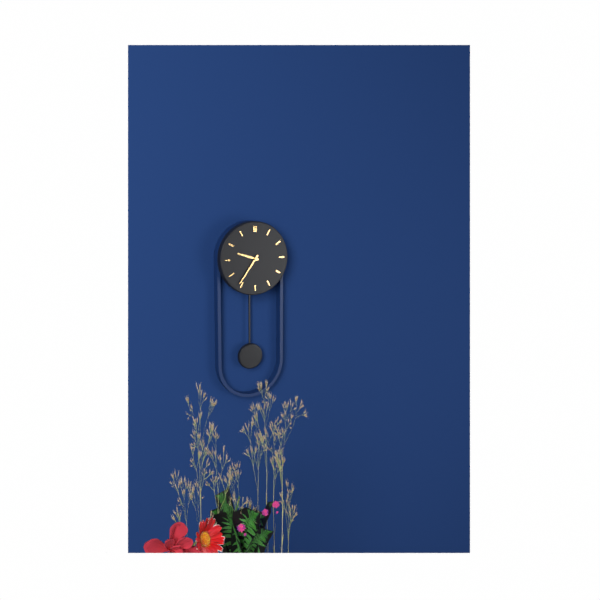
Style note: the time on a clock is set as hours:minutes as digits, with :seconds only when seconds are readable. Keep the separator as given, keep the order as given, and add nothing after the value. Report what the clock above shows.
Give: 9:36
